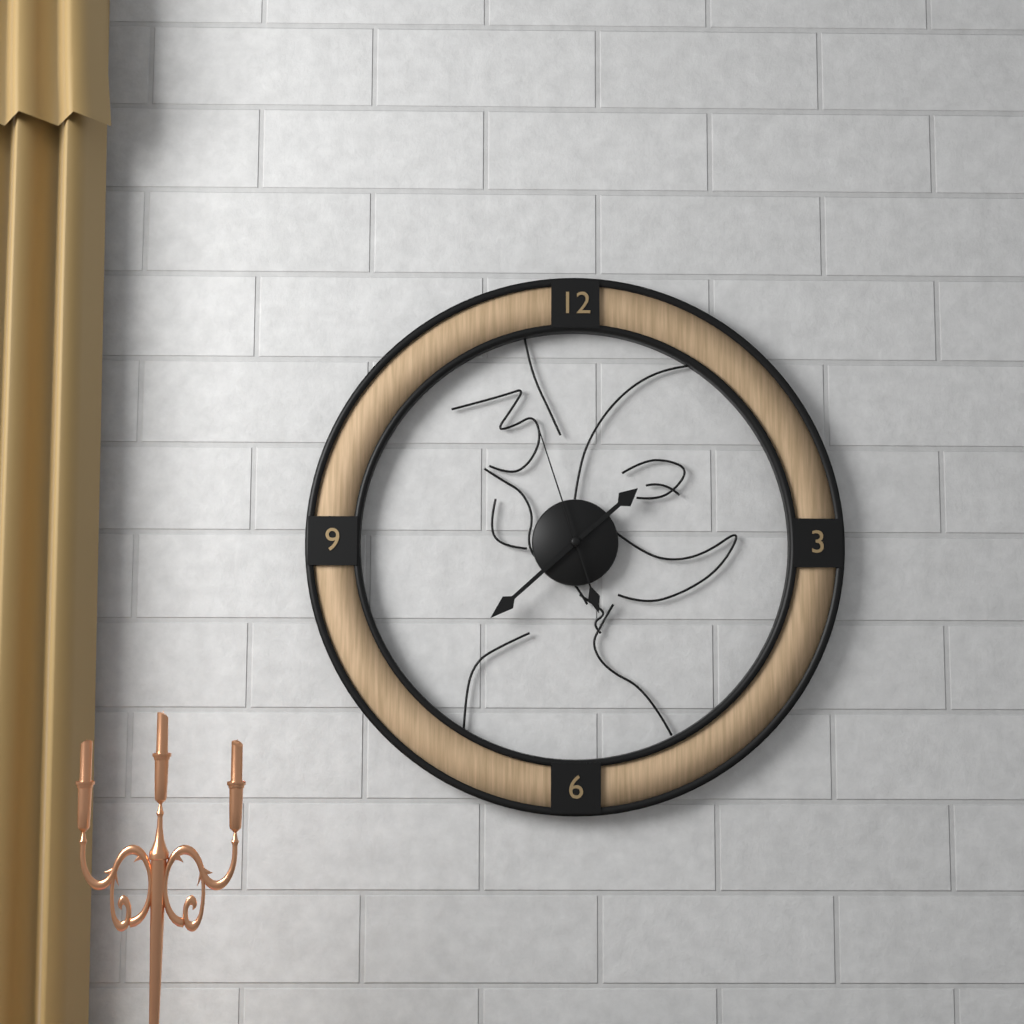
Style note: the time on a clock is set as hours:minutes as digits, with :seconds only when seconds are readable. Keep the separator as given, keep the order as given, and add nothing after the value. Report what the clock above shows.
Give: 1:38:57
